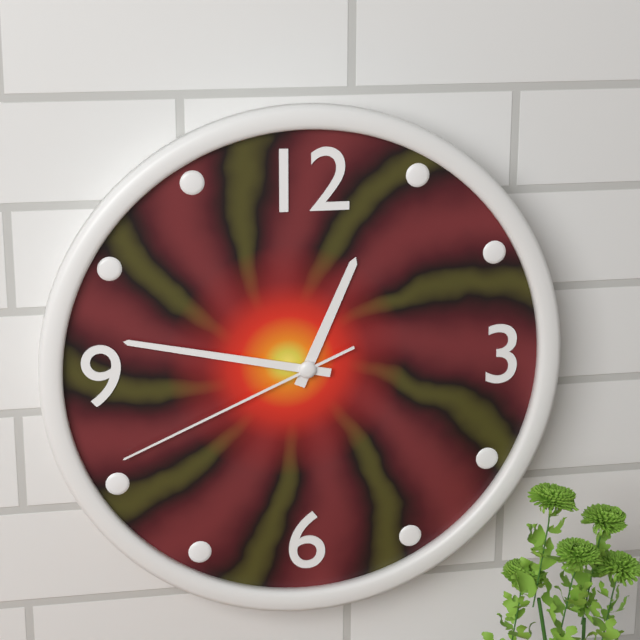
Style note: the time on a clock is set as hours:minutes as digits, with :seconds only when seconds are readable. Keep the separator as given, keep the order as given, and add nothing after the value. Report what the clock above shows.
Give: 12:47:41
